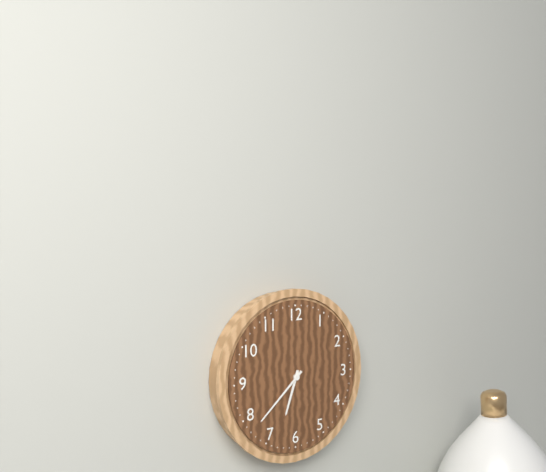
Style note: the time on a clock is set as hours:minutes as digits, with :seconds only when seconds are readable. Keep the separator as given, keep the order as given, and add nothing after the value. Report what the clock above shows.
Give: 6:38
